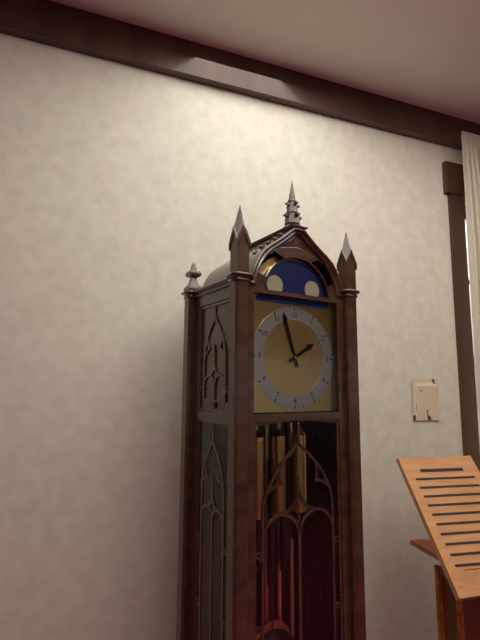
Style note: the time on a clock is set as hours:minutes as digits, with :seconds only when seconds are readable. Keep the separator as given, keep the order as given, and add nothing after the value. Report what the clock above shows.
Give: 1:57
